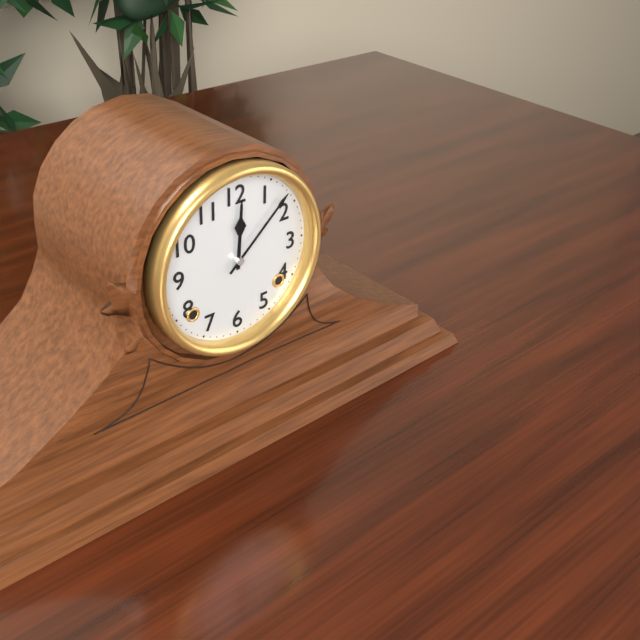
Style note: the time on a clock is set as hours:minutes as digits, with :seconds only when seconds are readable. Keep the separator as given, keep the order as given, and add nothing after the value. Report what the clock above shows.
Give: 12:08
